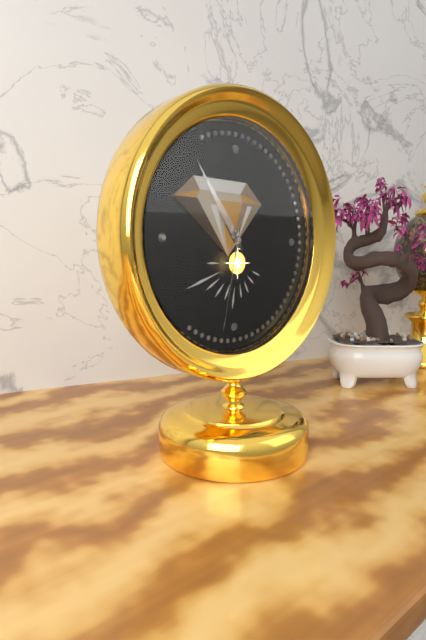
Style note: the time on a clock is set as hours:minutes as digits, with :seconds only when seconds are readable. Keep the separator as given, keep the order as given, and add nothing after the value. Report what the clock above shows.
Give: 10:54:32
